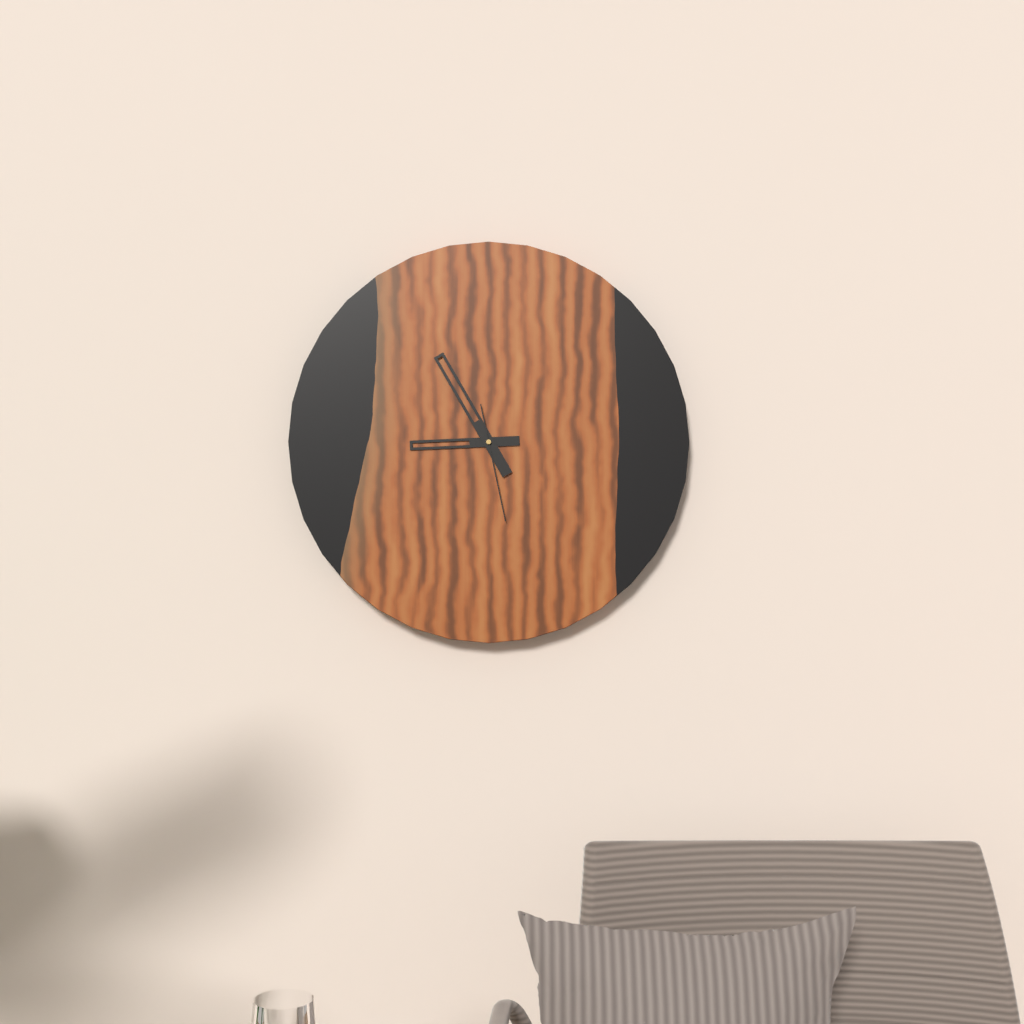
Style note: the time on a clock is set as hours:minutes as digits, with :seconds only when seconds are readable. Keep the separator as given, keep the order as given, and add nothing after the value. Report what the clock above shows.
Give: 8:55:28
